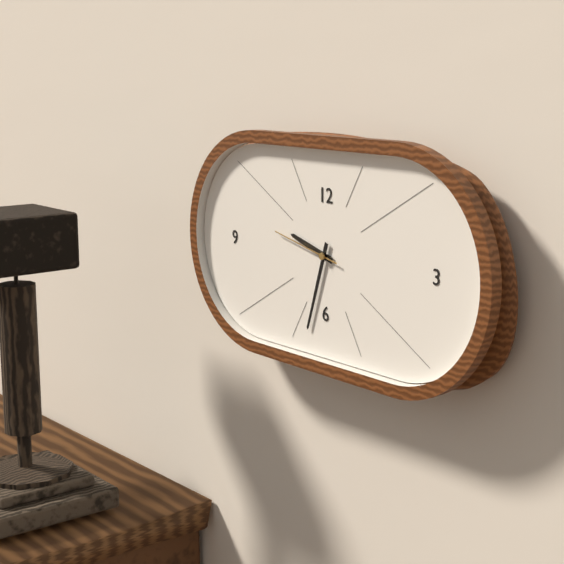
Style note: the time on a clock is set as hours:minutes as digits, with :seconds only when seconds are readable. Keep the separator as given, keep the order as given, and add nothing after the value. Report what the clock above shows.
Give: 9:33:47
